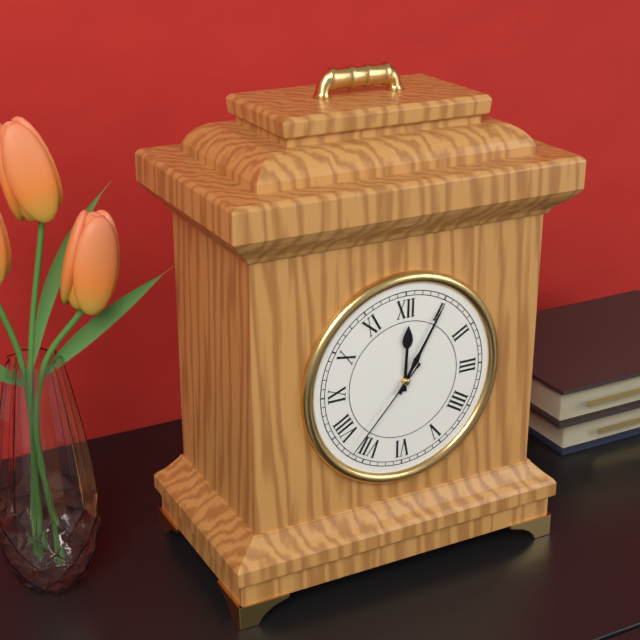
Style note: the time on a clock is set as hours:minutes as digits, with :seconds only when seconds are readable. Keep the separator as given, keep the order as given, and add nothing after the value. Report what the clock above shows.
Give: 12:05:37
